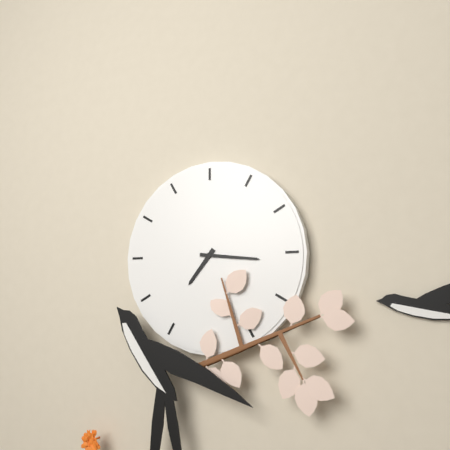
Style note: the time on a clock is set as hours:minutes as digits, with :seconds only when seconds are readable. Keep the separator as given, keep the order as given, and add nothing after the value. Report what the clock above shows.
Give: 7:16
